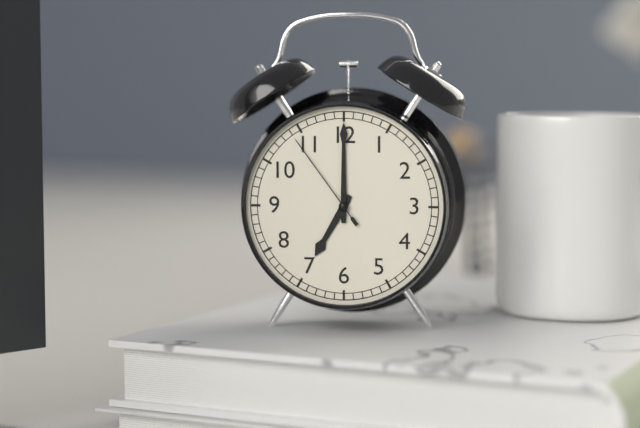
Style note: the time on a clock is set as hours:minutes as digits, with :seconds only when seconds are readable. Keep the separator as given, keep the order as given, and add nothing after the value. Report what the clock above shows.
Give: 7:00:54
